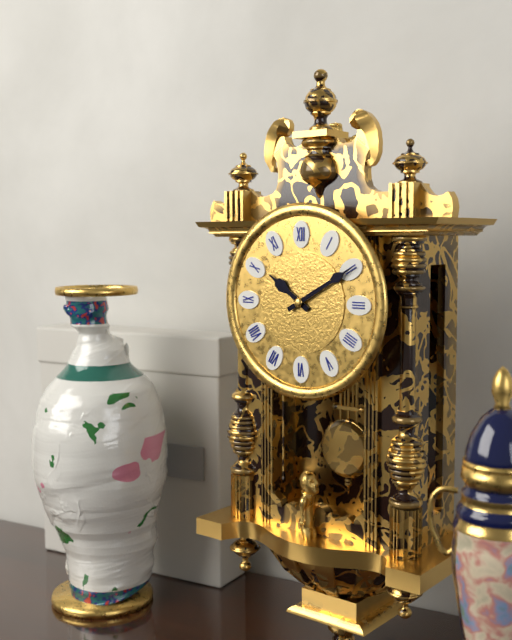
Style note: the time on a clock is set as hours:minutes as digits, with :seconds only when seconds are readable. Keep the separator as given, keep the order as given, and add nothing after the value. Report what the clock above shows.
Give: 10:10
